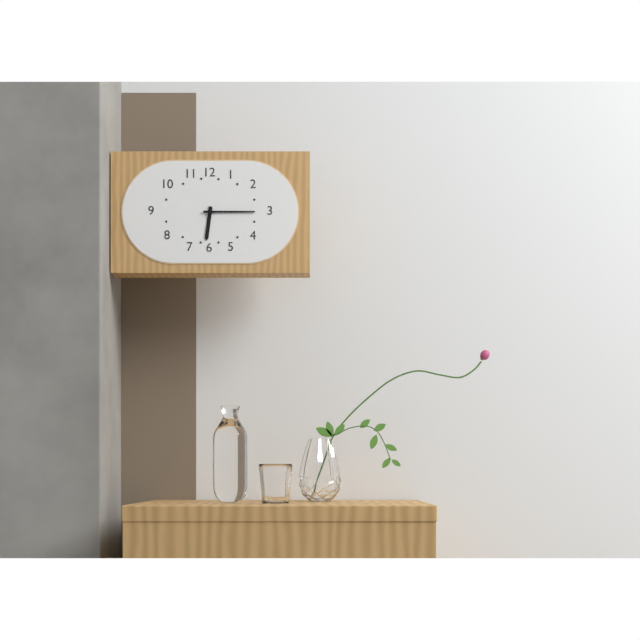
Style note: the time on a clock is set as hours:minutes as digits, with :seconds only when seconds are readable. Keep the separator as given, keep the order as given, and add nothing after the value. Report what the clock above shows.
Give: 6:15
